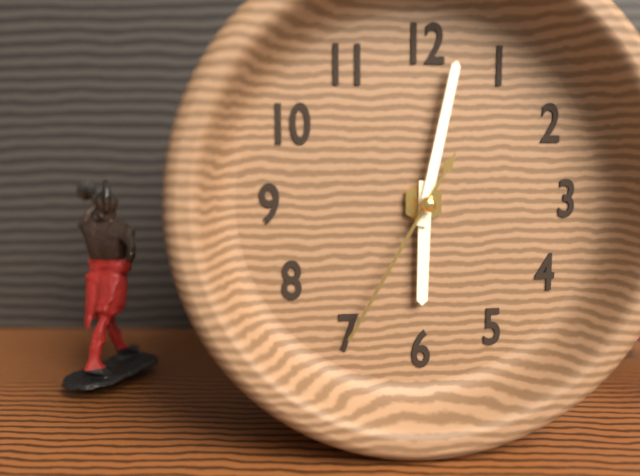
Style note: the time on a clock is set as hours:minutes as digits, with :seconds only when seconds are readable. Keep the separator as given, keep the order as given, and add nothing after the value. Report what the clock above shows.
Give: 6:02:35
